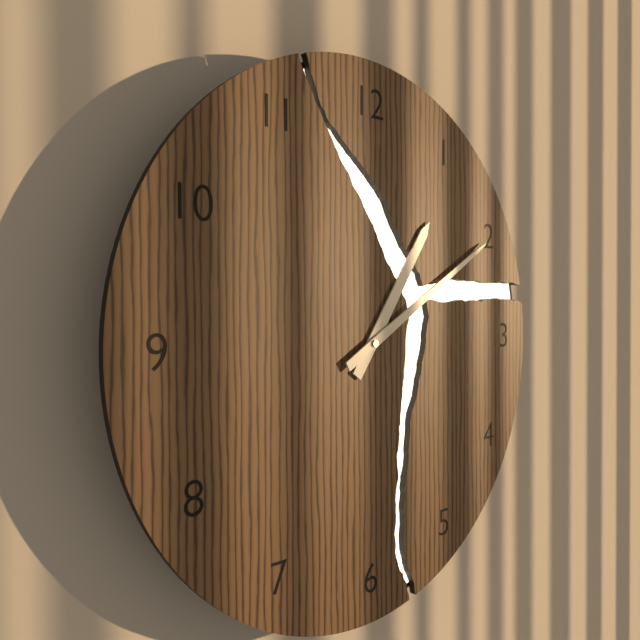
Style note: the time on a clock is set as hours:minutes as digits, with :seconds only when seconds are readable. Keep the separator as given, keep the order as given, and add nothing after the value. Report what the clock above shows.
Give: 1:10
